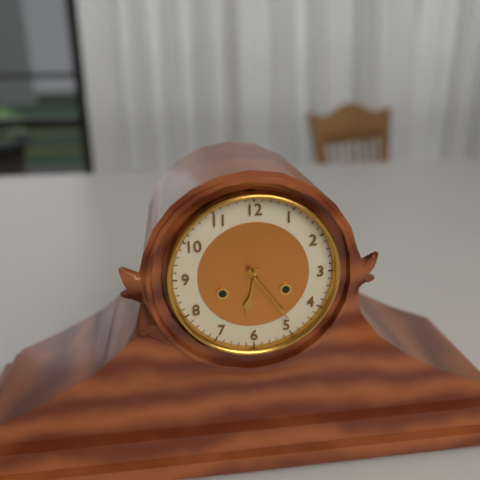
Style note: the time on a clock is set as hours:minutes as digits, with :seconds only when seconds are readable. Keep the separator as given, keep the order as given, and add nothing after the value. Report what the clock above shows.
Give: 6:24
